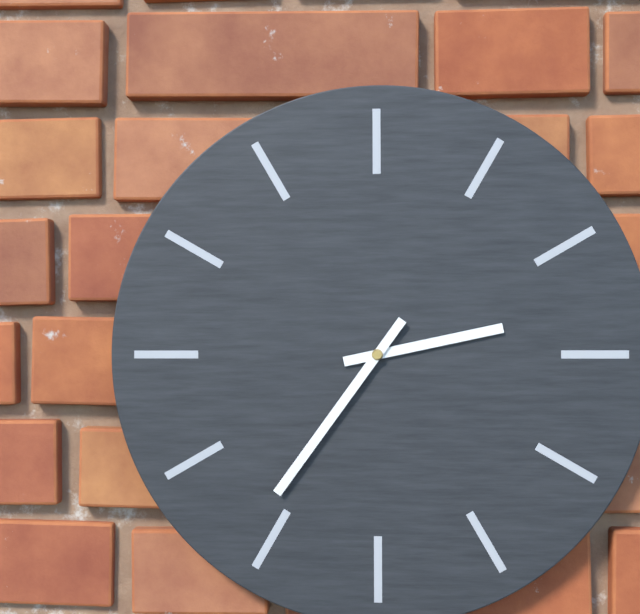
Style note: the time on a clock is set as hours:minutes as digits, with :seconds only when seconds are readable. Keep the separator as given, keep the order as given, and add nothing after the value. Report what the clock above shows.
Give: 2:36
